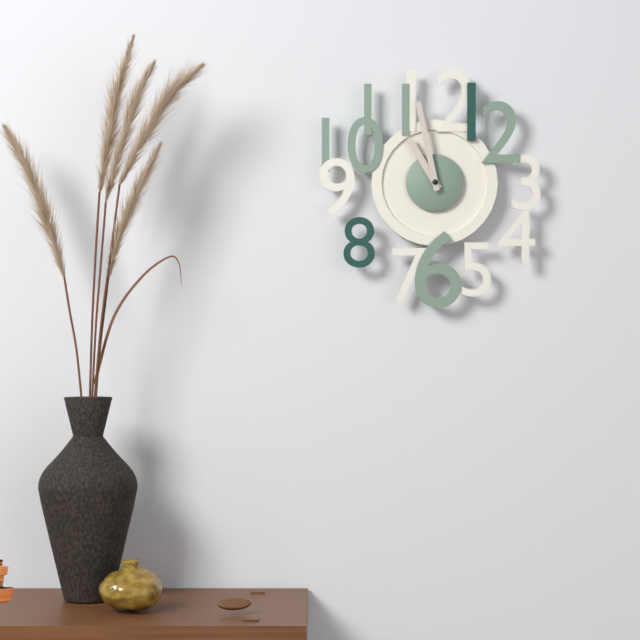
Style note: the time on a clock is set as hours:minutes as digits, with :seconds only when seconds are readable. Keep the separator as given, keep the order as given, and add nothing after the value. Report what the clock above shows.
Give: 10:58
